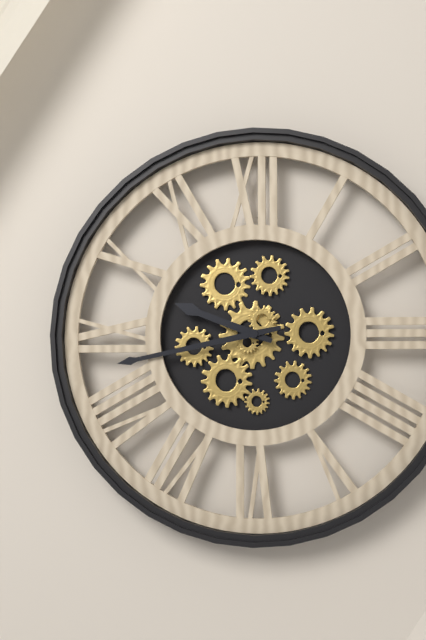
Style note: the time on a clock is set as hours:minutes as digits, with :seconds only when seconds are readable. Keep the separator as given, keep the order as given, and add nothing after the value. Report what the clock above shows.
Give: 9:43
